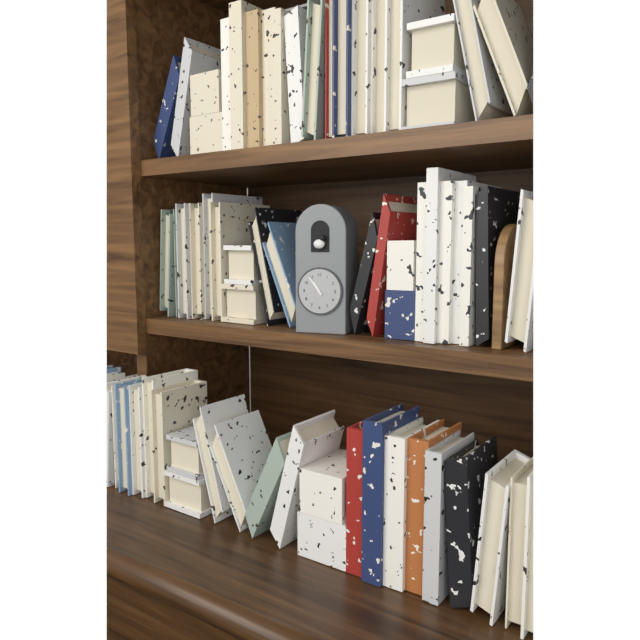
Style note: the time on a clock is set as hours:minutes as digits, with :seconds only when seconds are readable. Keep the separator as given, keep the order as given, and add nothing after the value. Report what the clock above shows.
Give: 10:54
